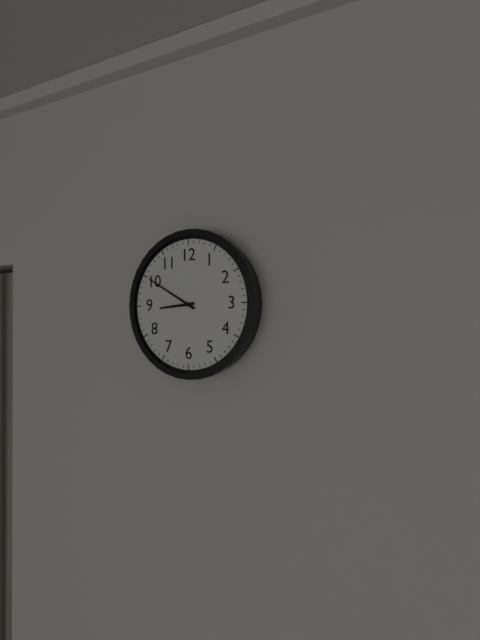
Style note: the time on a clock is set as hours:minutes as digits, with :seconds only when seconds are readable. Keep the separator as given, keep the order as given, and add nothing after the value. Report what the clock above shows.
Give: 8:50
